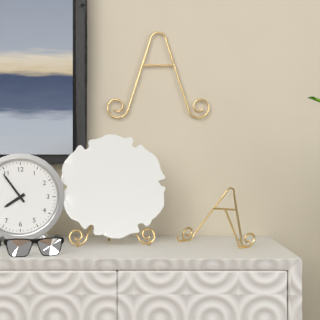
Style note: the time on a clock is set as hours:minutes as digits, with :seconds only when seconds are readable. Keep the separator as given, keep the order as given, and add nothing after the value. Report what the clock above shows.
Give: 7:54
